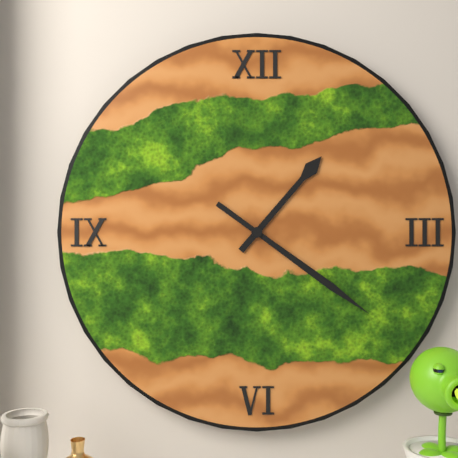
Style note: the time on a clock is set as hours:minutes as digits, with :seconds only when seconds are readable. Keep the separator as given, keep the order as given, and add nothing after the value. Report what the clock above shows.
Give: 1:21
